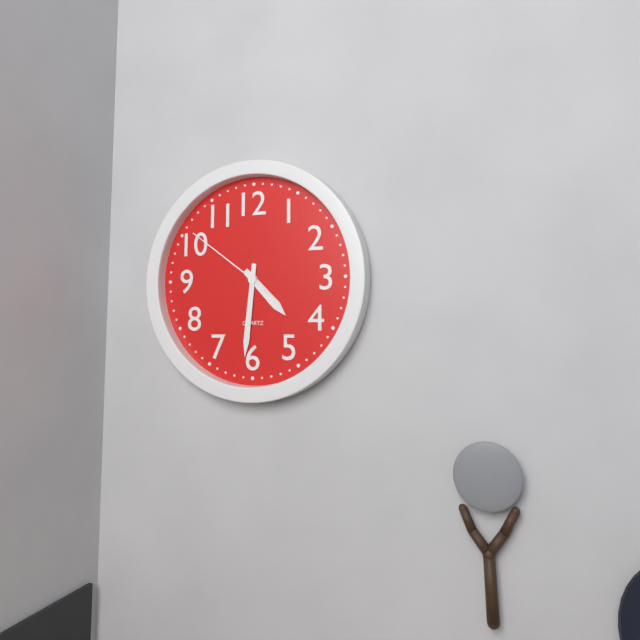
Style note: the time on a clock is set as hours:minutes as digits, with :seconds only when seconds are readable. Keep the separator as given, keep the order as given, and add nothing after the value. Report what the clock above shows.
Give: 4:31:51
